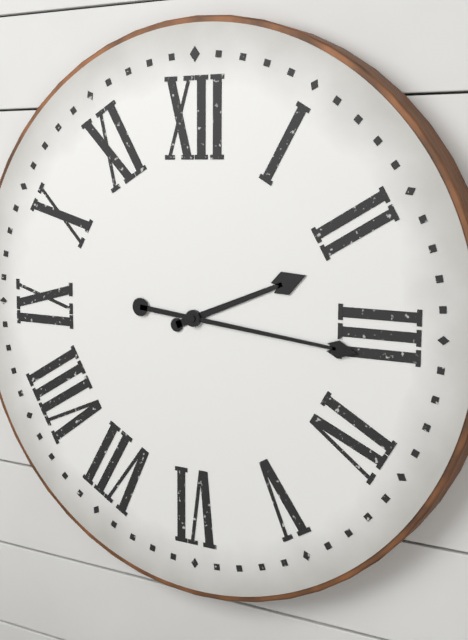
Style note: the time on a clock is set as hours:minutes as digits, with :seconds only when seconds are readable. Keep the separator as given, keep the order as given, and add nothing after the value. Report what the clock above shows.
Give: 2:16
